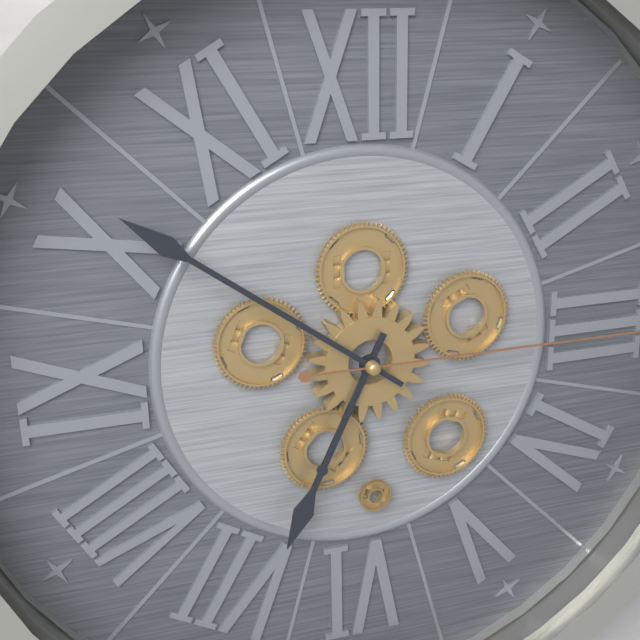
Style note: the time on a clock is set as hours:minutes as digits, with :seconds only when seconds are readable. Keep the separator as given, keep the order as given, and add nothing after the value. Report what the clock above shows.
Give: 6:51
